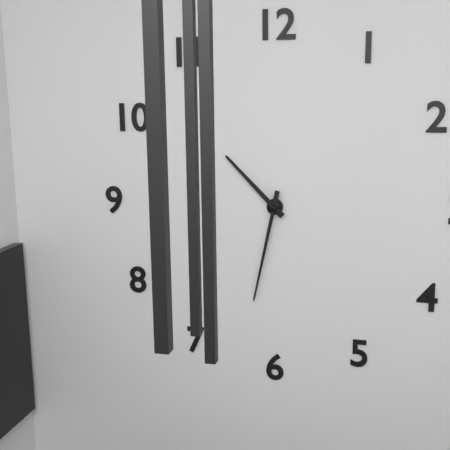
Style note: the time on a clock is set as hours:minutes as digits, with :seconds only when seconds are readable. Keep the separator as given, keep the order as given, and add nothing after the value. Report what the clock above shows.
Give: 10:32
